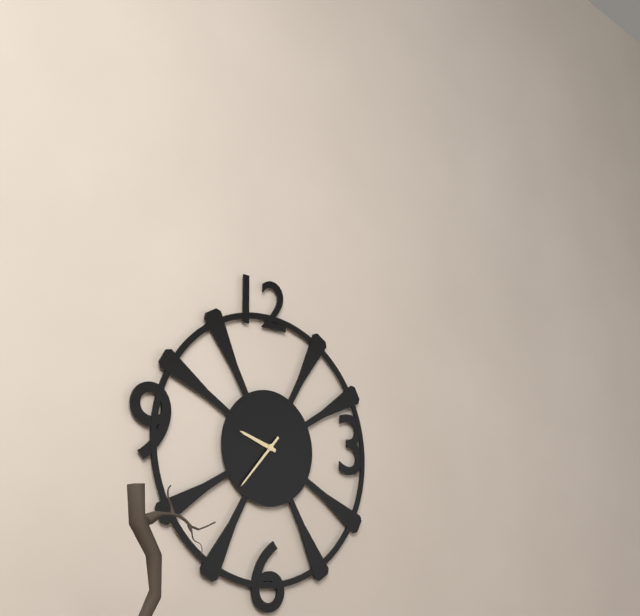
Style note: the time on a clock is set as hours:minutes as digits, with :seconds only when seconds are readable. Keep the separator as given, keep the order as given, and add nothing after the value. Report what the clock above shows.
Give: 9:37
